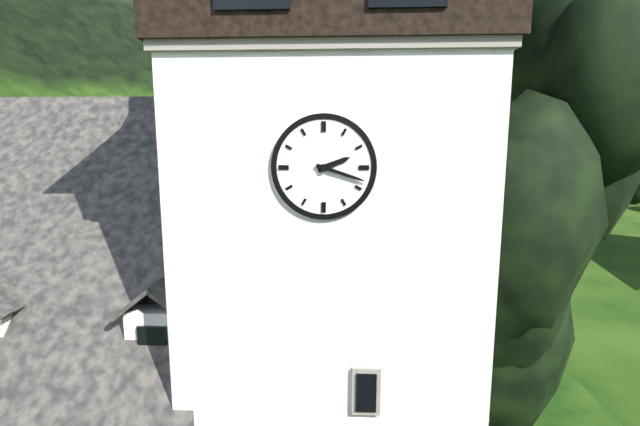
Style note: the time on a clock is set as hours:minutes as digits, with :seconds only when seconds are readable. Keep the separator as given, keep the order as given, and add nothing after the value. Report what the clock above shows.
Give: 2:18
